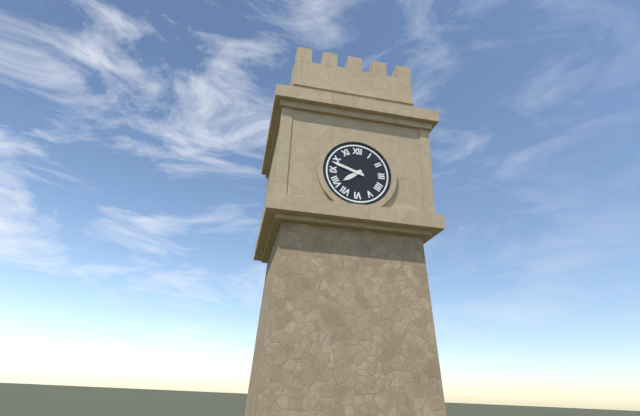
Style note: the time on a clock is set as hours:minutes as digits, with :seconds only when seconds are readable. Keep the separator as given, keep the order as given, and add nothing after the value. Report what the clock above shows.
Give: 7:48
